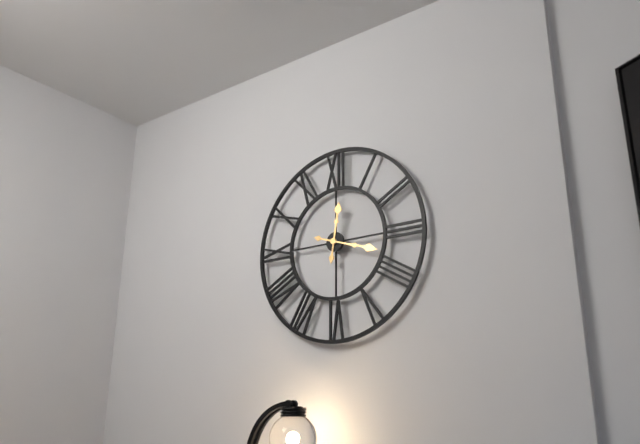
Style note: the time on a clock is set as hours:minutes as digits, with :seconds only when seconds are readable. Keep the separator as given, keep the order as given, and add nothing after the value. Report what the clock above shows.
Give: 12:18
